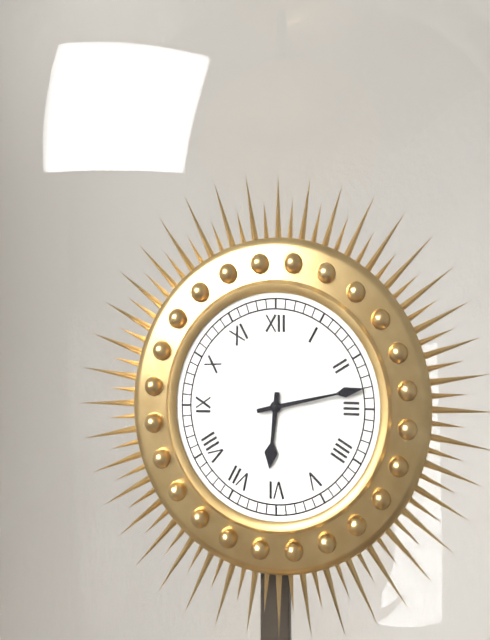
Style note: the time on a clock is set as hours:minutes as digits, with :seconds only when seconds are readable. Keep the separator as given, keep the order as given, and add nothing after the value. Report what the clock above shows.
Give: 6:13
